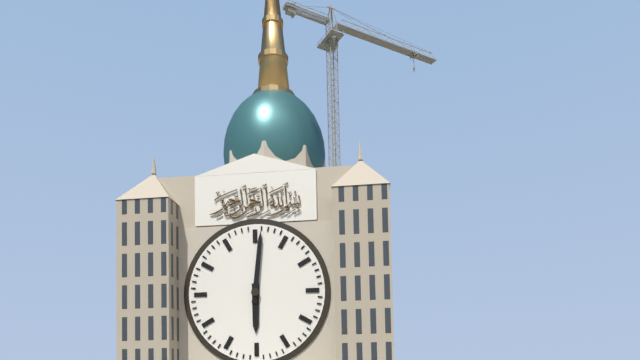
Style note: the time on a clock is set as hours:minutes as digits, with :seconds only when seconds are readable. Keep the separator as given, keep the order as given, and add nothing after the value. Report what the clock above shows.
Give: 6:01
